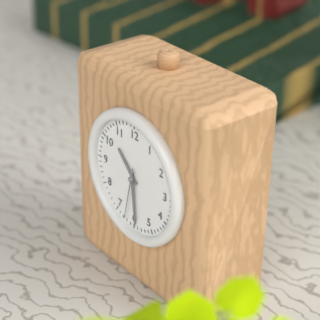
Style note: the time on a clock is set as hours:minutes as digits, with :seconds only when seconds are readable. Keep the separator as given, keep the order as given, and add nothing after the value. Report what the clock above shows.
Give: 10:29
